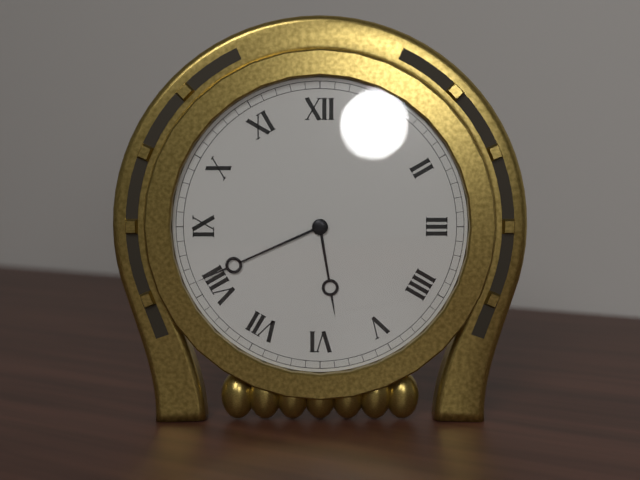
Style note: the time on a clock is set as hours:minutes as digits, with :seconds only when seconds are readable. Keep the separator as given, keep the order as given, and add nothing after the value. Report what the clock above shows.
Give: 5:41
